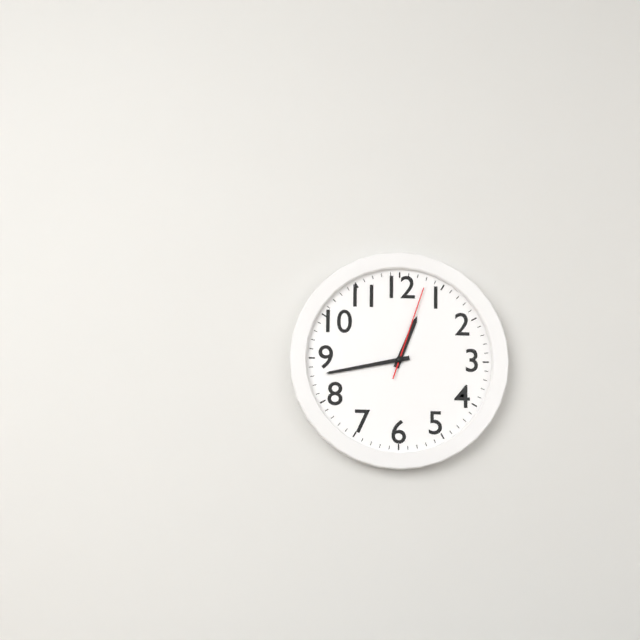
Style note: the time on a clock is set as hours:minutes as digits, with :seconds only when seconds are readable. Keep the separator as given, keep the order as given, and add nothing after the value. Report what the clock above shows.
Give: 12:43:03
